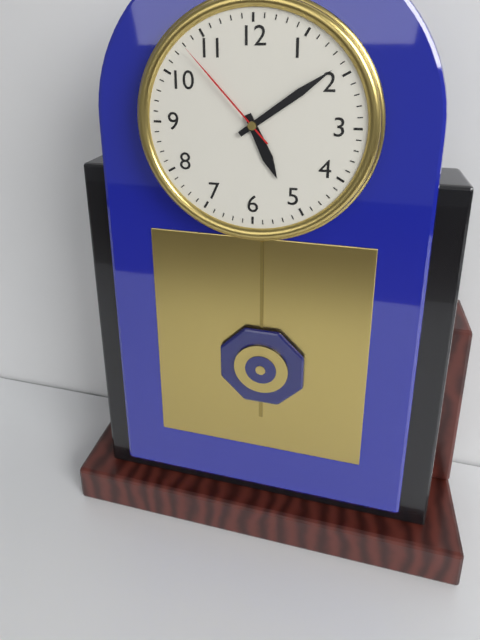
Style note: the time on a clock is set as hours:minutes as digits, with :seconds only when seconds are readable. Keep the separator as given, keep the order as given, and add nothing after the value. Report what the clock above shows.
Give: 5:09:53
